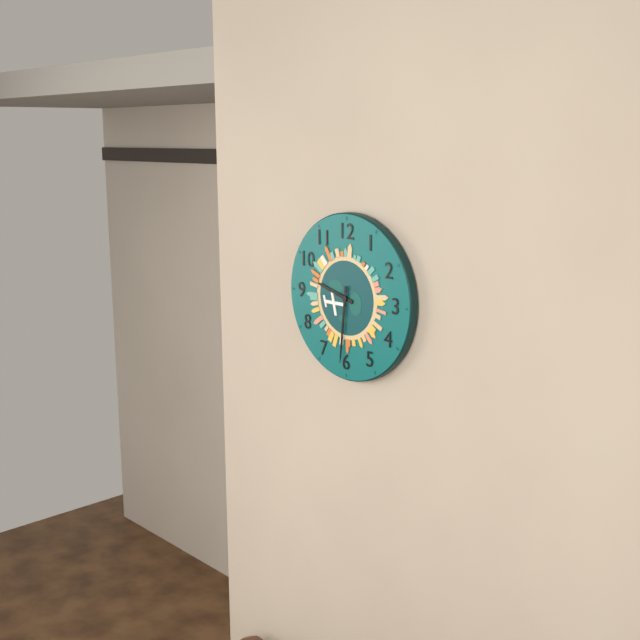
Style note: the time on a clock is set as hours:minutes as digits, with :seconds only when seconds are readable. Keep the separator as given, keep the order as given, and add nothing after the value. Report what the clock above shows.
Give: 9:31
